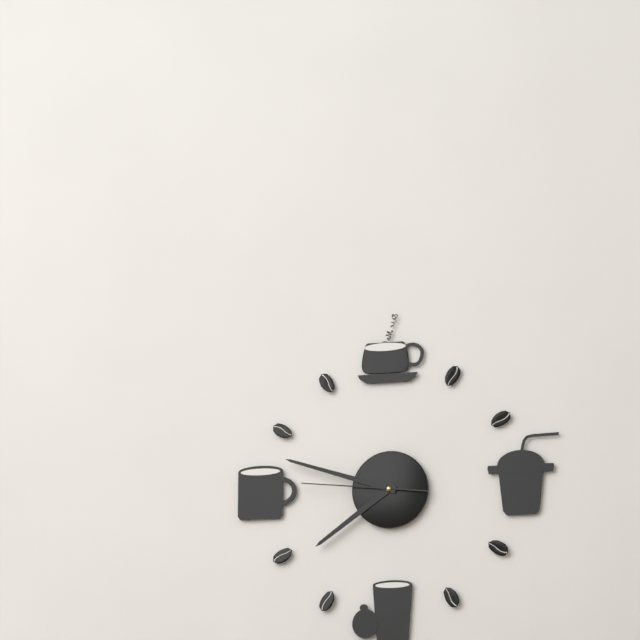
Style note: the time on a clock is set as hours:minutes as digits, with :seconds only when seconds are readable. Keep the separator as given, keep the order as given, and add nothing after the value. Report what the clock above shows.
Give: 7:48:46
